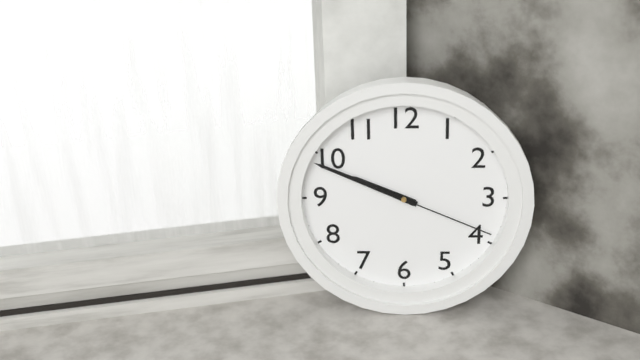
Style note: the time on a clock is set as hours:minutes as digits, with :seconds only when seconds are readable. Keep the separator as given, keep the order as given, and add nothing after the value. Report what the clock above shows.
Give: 9:49:19
